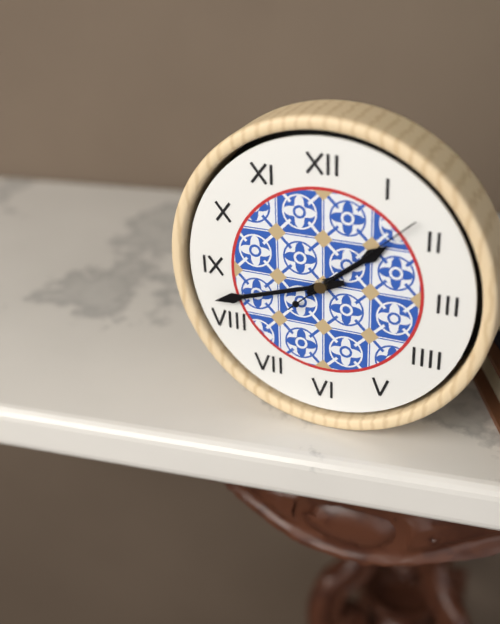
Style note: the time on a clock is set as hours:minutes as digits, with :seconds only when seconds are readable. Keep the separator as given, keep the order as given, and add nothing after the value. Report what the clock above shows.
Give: 1:42:08
